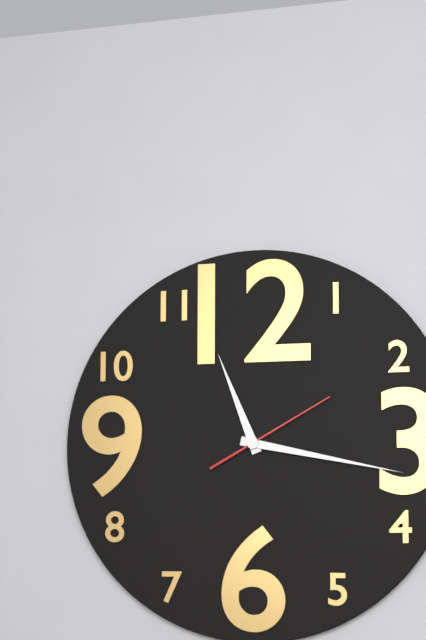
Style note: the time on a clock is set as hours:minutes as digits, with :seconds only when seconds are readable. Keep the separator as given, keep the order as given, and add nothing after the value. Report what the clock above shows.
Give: 11:17:10
